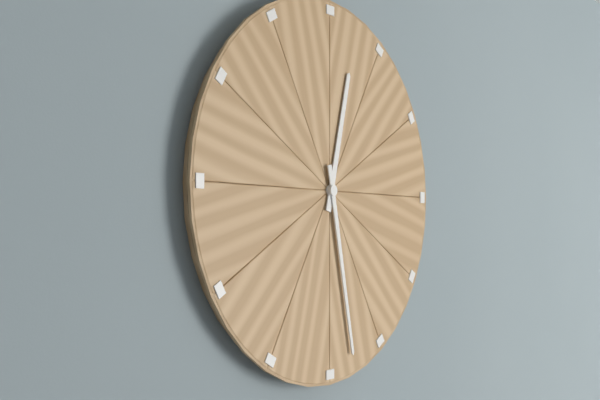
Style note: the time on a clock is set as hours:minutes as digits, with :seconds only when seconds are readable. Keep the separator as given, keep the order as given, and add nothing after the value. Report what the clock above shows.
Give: 12:28
